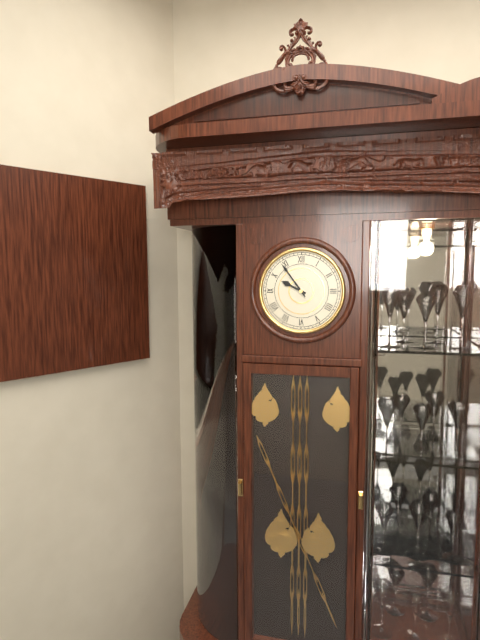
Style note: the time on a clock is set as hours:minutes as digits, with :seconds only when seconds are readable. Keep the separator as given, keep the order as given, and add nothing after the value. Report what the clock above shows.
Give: 9:54
